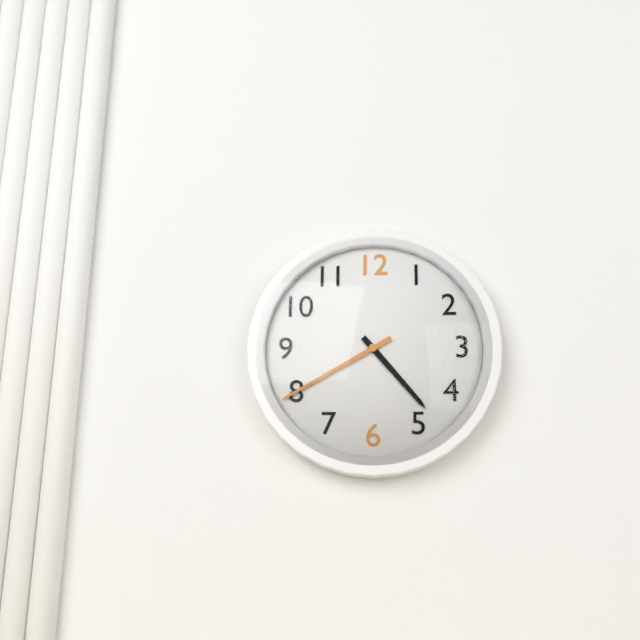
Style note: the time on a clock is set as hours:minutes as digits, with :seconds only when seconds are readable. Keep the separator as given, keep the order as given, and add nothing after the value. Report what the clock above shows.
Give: 4:40
